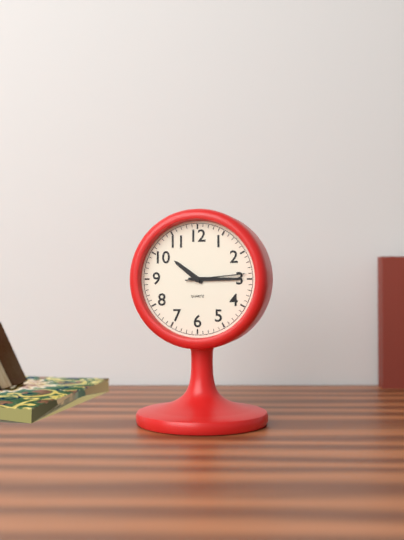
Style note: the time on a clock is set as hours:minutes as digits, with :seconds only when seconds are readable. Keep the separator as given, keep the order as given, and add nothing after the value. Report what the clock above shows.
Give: 10:15:14
